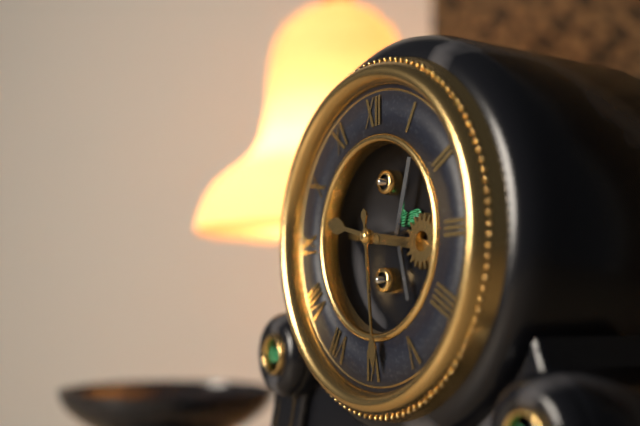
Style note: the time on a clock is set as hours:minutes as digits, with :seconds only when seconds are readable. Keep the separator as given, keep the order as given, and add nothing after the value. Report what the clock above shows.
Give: 9:29
